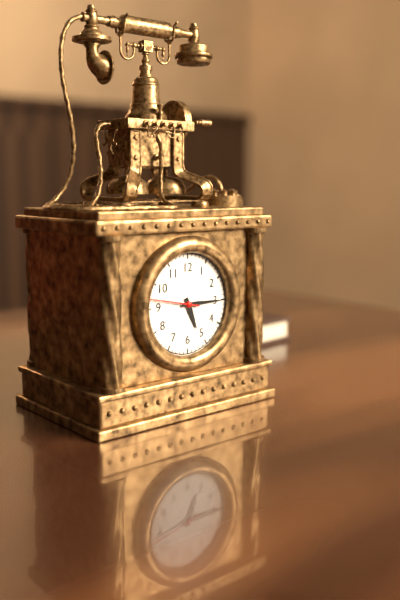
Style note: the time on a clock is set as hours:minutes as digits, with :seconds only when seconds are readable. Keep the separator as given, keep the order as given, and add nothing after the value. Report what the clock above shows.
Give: 5:15
